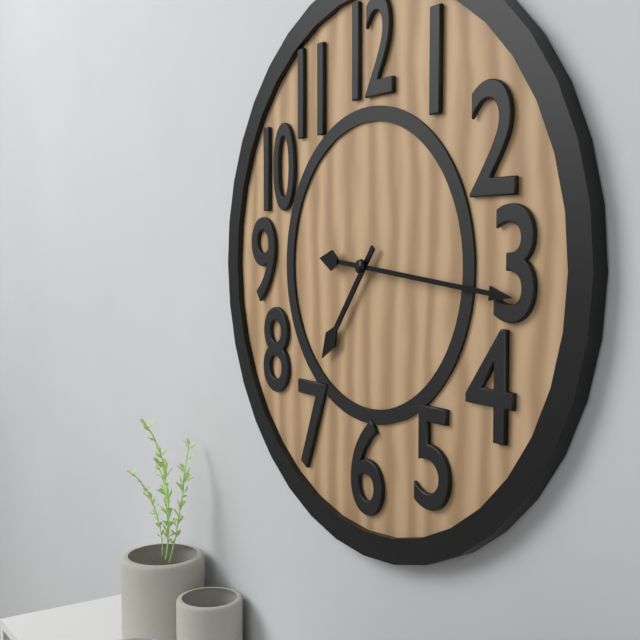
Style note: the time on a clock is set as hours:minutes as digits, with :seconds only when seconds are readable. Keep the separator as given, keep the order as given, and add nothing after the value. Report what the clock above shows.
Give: 7:16
